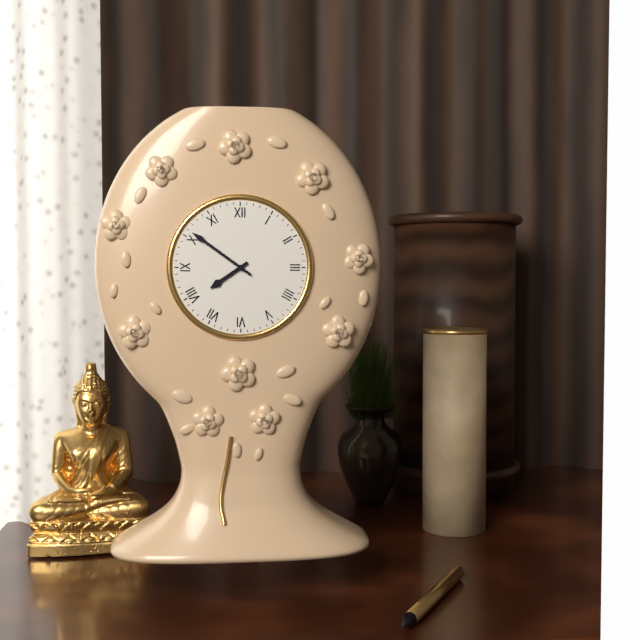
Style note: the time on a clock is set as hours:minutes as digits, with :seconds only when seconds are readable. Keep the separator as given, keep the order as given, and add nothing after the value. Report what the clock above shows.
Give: 7:51
